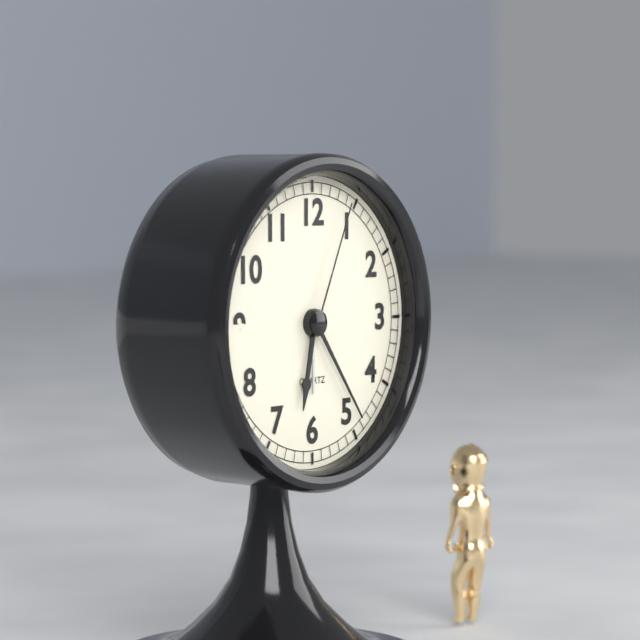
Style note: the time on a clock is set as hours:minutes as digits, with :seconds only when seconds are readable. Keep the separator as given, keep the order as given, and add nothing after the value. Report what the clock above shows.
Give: 6:24:04
